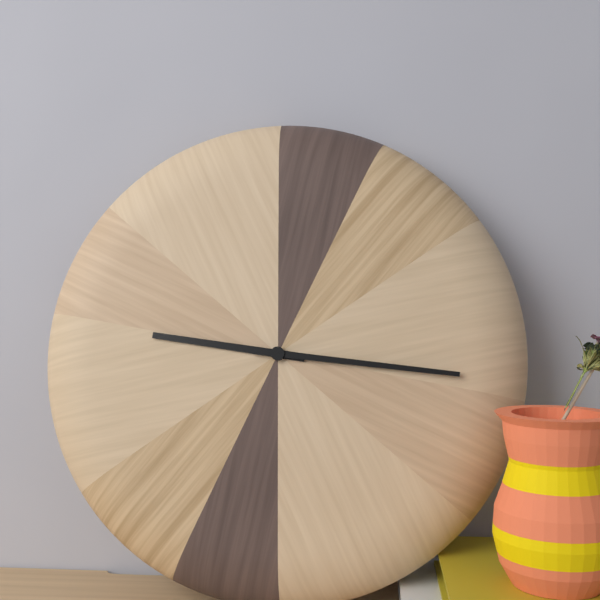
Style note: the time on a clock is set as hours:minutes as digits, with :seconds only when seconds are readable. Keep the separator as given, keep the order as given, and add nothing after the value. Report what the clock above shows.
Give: 9:16
